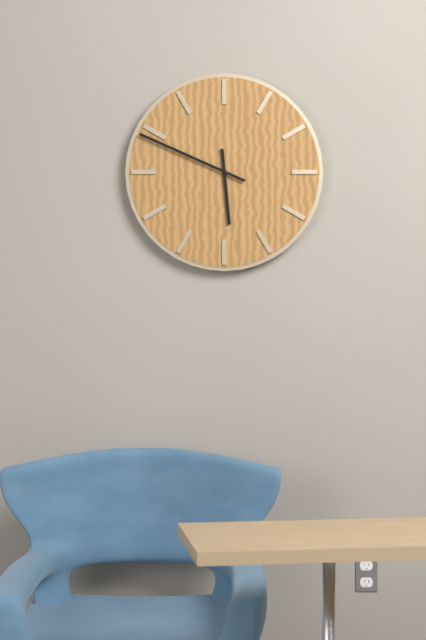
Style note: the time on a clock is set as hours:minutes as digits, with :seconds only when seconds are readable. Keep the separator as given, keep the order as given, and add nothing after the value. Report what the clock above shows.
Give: 5:49
